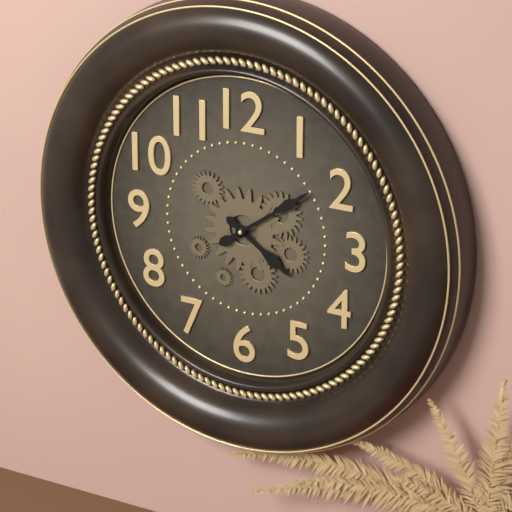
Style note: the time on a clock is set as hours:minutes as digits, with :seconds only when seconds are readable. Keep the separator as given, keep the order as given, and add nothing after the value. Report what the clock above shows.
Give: 4:09
